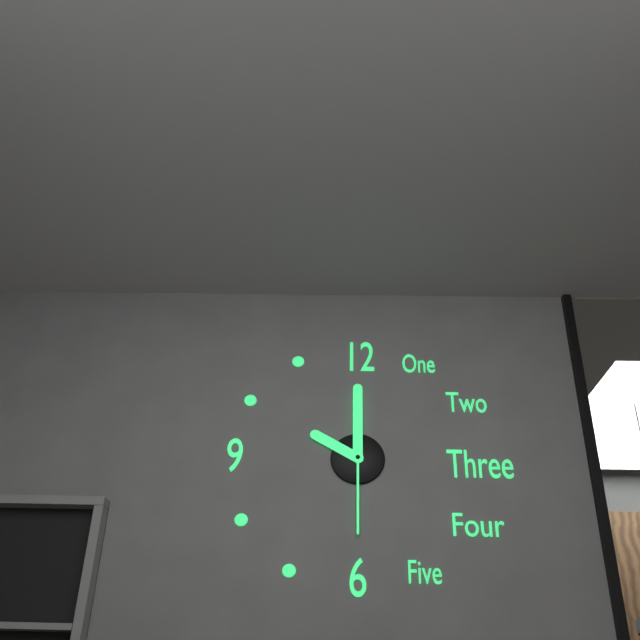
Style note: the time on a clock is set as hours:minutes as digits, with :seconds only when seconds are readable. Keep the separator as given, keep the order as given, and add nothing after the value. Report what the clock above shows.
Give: 10:00:30
